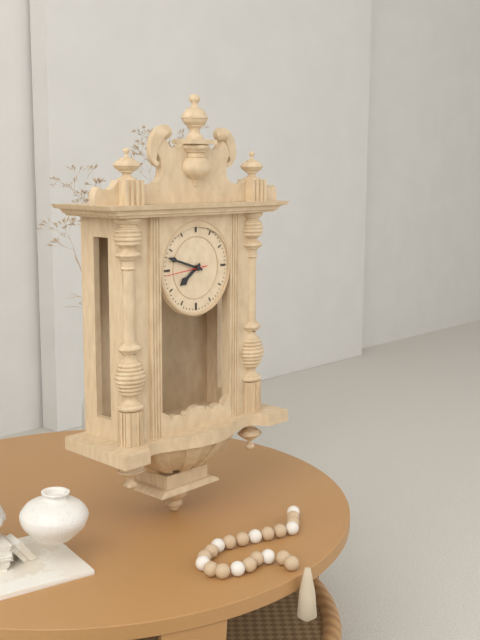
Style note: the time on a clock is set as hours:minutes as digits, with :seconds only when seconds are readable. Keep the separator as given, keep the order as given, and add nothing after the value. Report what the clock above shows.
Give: 7:48
